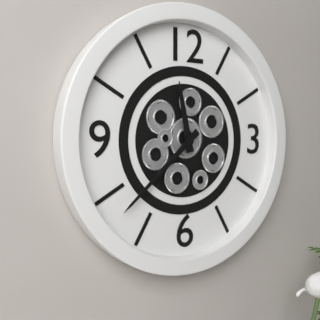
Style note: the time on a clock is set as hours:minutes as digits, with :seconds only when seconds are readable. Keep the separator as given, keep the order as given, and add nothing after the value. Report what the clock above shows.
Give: 11:38
